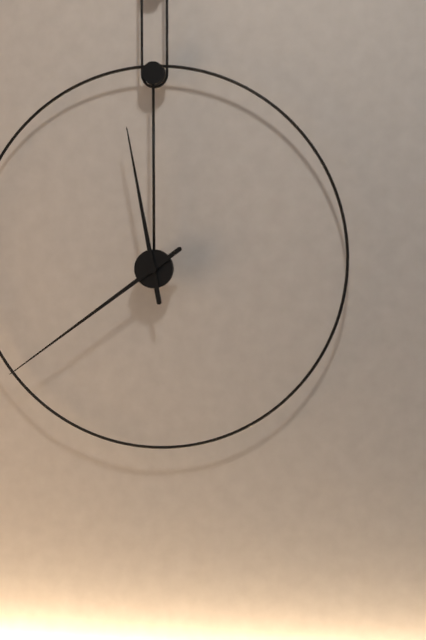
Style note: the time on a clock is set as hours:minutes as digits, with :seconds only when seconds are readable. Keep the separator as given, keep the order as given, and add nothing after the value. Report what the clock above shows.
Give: 11:39
